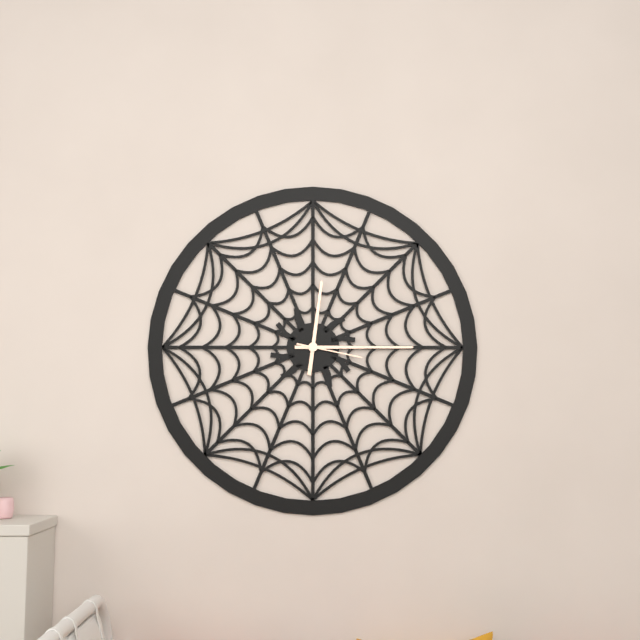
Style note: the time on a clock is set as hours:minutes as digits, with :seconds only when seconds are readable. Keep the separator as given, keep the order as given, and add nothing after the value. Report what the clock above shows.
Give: 12:15:17
